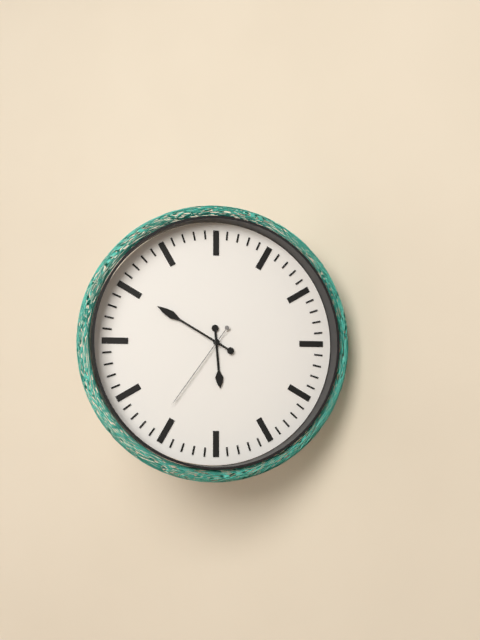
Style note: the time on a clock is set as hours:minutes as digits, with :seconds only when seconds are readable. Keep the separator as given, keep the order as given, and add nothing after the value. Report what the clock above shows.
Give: 5:50:36
